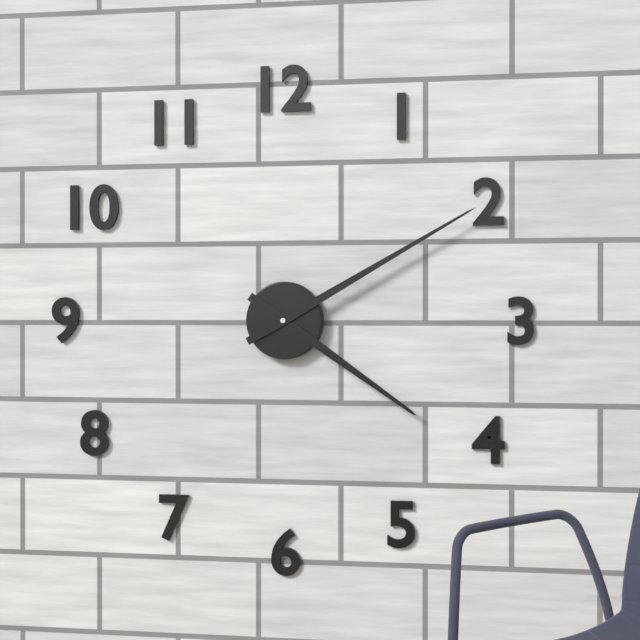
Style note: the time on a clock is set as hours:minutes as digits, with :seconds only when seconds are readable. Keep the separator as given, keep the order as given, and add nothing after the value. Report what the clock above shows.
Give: 4:10
